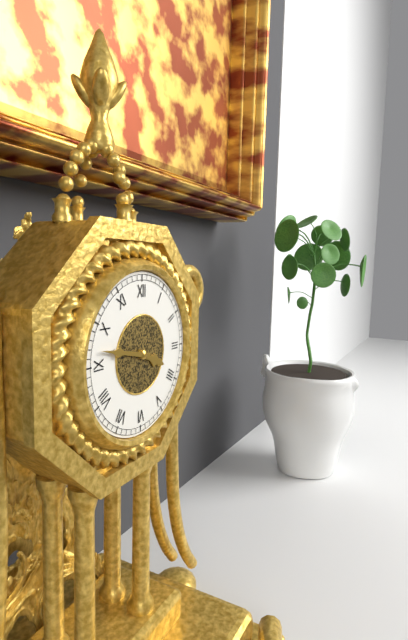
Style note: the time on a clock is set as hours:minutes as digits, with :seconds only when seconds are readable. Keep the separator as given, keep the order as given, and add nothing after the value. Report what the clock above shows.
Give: 3:47
